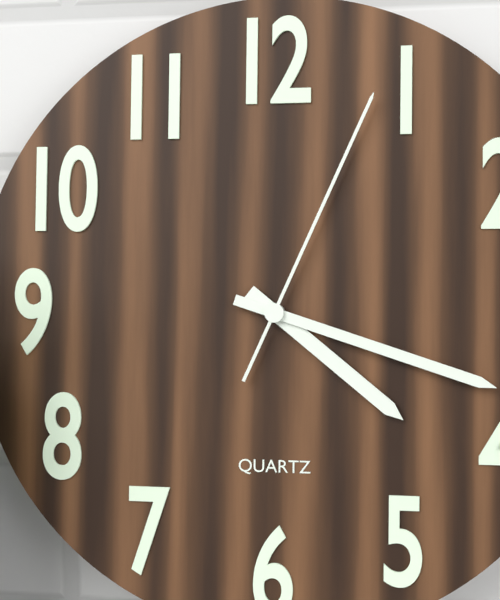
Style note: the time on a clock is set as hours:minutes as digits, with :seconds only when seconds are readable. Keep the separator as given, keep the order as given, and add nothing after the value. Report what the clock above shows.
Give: 4:18:04
